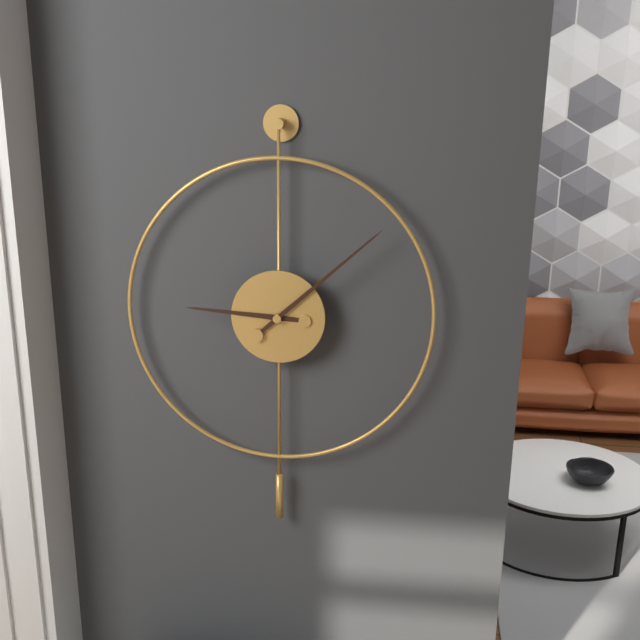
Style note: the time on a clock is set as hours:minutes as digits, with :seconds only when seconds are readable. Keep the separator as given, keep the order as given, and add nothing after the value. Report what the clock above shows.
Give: 9:08
